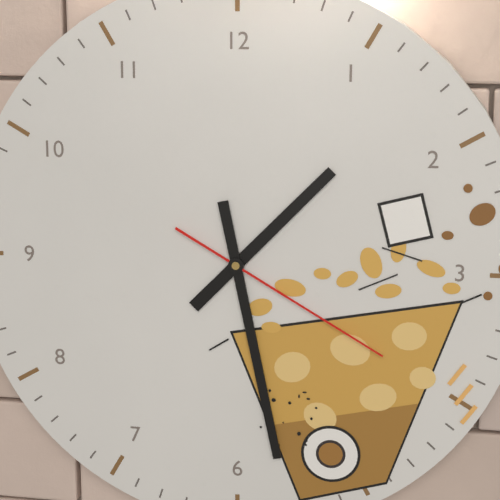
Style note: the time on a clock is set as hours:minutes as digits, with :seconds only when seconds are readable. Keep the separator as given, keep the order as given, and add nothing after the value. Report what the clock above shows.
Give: 1:28:20
